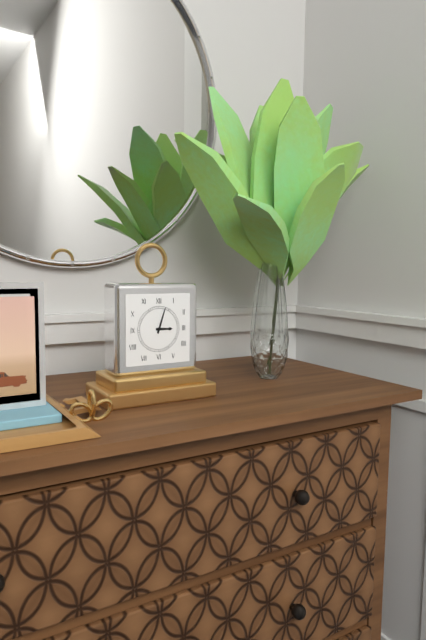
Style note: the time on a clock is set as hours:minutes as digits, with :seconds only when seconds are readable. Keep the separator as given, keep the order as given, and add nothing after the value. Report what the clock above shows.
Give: 3:03
